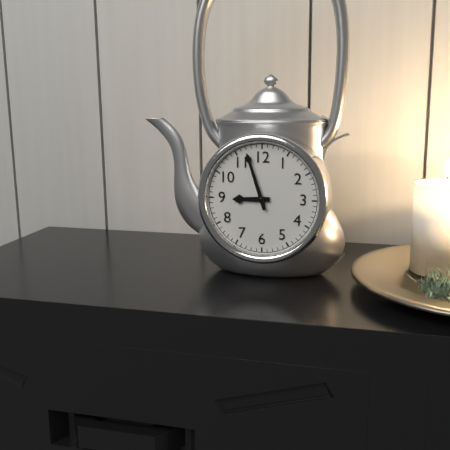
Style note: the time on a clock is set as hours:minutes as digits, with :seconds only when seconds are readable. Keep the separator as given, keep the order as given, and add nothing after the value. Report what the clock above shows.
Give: 8:57
